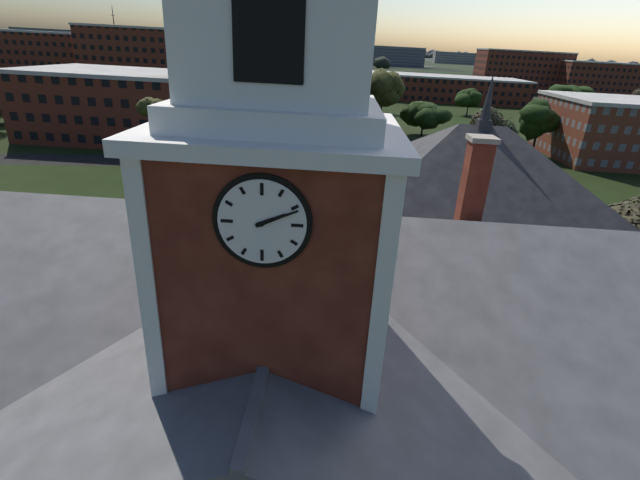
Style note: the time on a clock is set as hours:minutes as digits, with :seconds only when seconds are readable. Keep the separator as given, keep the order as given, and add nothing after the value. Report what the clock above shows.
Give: 2:11
